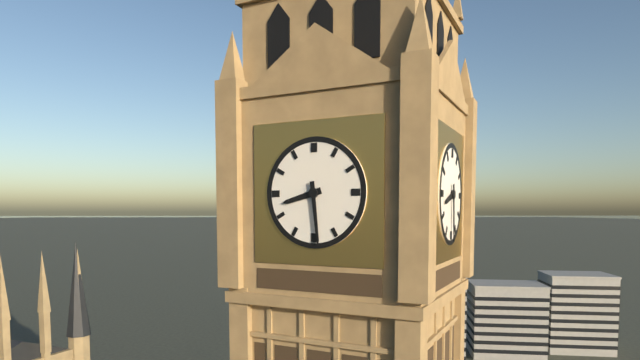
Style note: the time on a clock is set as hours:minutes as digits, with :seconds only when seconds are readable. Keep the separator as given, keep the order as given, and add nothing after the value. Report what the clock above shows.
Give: 8:29
